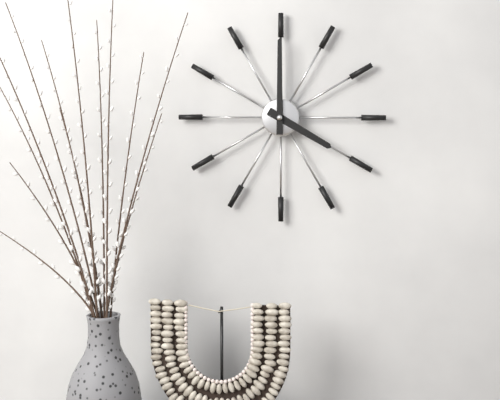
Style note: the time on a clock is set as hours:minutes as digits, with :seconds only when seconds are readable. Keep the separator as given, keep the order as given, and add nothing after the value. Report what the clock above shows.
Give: 4:00
